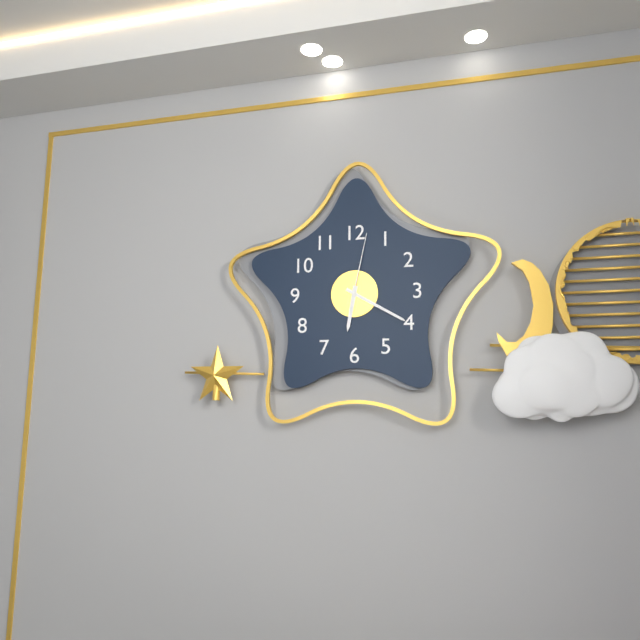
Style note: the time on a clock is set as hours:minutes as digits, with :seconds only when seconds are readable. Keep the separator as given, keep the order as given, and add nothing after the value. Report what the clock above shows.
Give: 6:20:02
